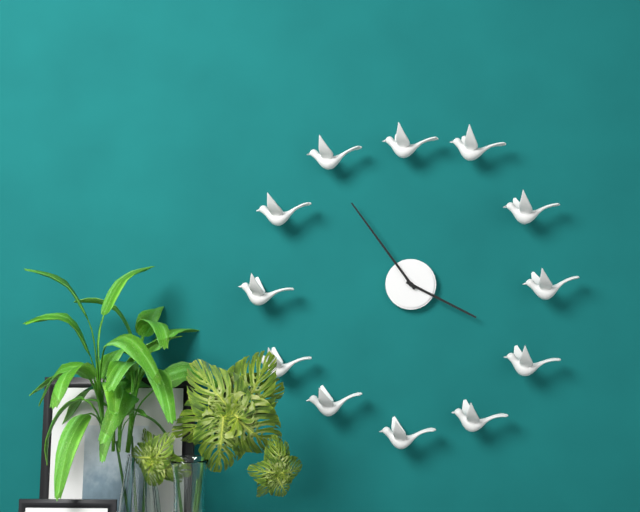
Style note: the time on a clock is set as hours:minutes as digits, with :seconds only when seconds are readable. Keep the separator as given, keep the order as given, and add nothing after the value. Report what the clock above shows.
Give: 3:54
